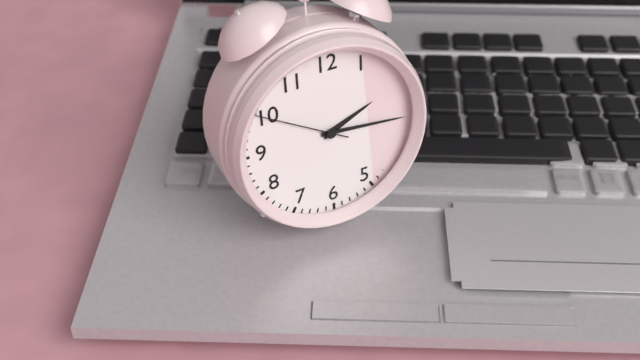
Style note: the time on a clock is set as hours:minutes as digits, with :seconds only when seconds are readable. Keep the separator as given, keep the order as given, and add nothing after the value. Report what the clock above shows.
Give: 2:16:50
